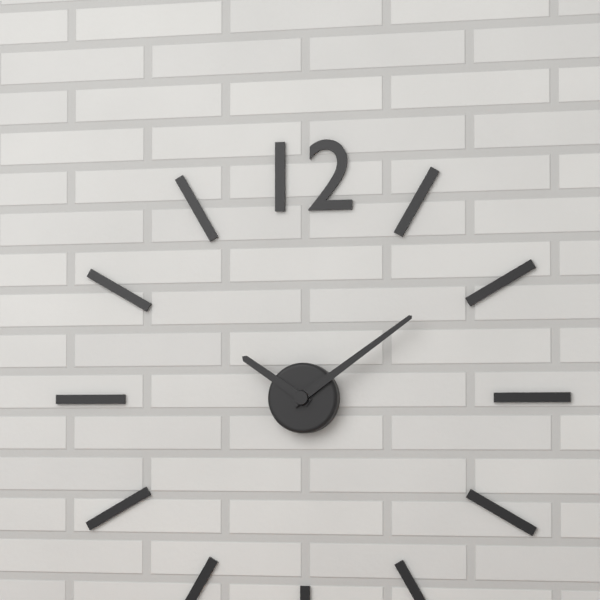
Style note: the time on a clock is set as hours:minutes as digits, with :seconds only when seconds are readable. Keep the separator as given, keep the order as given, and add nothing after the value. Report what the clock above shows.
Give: 10:09
